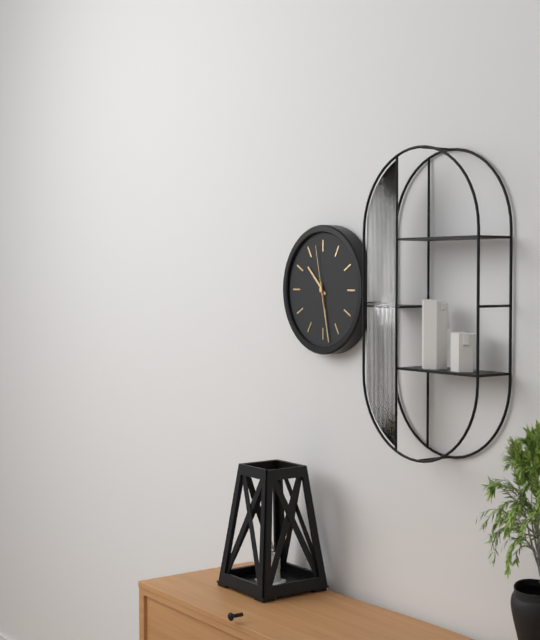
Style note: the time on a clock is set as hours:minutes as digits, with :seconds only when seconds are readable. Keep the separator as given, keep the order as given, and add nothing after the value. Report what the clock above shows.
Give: 10:28:58
